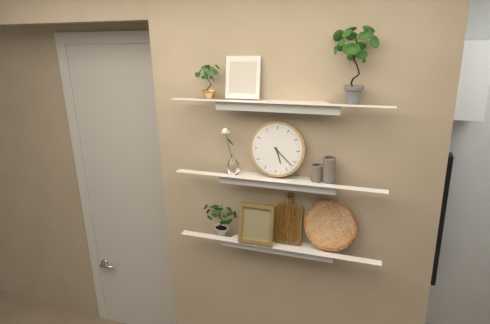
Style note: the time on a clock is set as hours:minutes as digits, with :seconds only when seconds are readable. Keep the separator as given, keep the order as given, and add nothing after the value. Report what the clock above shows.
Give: 5:22
